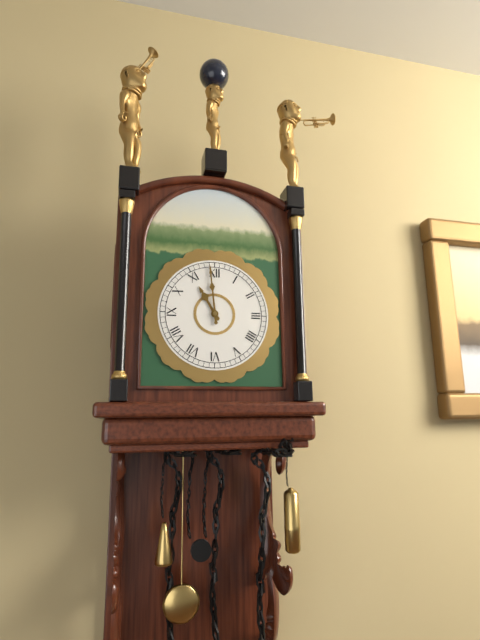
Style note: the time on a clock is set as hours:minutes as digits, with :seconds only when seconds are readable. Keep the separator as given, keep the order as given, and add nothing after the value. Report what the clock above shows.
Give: 10:59
